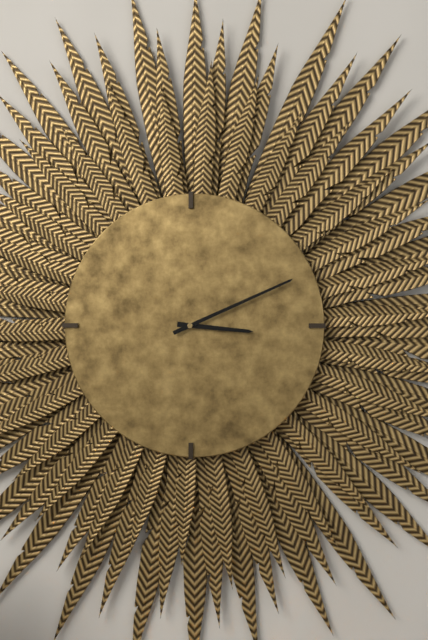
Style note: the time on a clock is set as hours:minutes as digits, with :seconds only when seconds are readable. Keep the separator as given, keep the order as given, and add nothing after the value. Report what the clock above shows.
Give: 3:11
